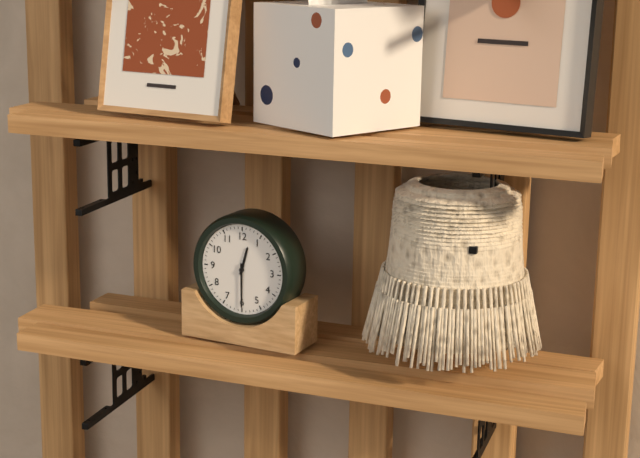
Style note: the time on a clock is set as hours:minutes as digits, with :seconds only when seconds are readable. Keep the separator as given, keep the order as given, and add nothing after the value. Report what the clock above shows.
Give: 12:30
